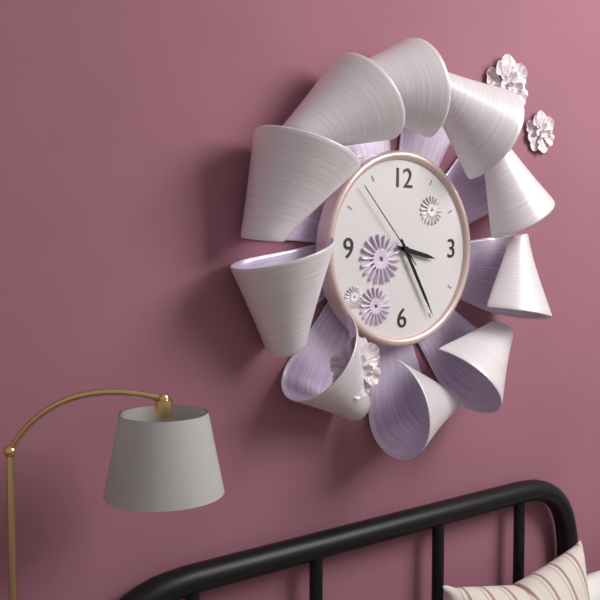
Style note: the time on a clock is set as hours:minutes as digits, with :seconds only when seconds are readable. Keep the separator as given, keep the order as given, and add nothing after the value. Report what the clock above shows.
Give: 3:25:53
